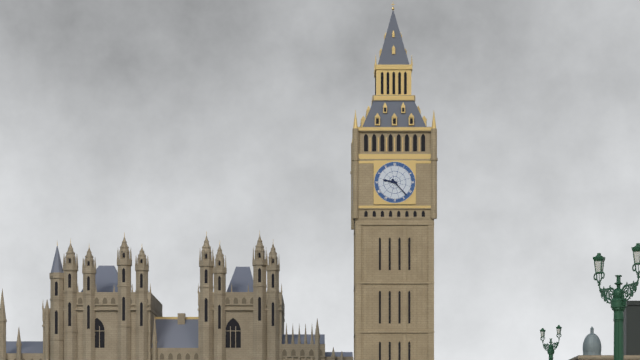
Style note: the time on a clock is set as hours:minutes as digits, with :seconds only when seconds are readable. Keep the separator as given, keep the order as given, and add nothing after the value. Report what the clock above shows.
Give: 9:23
